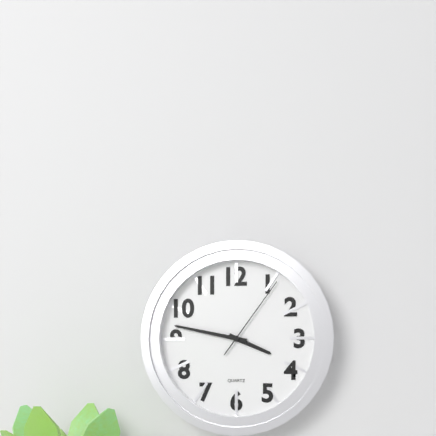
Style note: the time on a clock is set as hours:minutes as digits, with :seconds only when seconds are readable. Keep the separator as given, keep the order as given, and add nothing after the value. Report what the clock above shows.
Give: 3:47:06
